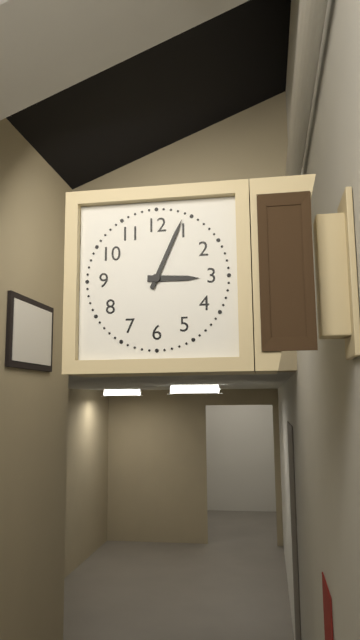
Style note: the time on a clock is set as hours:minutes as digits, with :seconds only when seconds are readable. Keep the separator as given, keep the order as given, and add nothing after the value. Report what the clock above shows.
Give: 3:04
